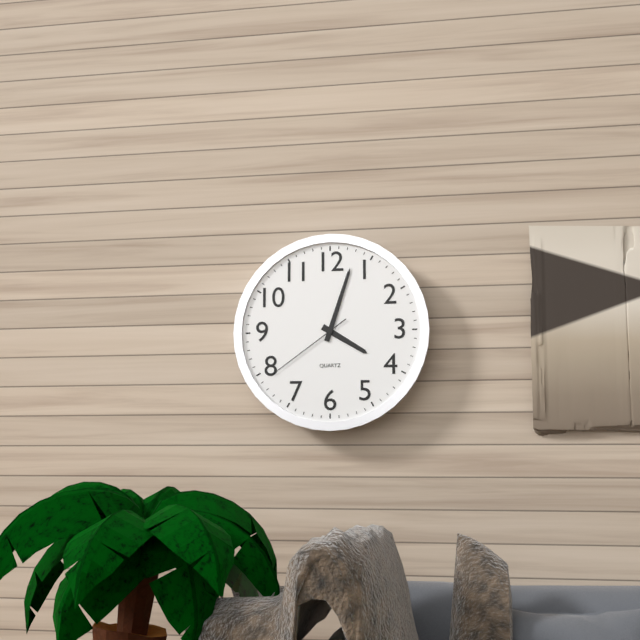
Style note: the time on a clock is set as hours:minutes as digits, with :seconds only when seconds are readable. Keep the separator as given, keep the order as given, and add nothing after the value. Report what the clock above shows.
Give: 4:03:39
